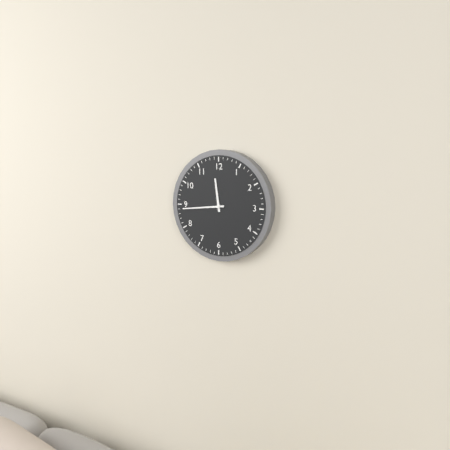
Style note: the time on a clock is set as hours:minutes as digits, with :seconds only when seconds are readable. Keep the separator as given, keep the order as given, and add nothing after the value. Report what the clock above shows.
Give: 11:44
